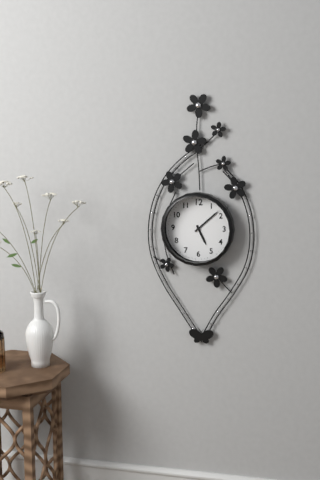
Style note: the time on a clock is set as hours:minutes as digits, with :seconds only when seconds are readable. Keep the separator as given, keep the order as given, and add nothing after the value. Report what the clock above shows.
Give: 5:08
